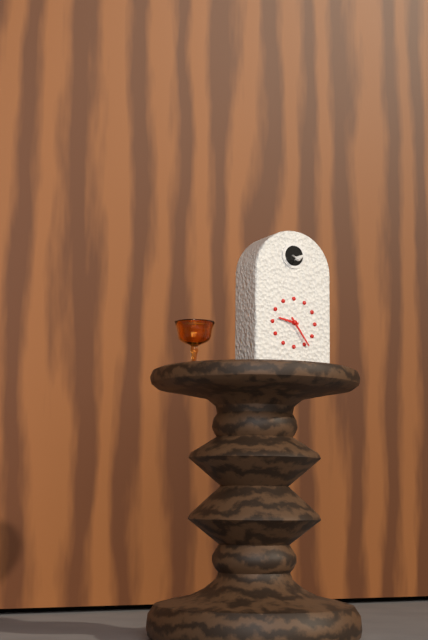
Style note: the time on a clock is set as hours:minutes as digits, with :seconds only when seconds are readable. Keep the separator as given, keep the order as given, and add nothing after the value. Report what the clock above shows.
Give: 9:24
